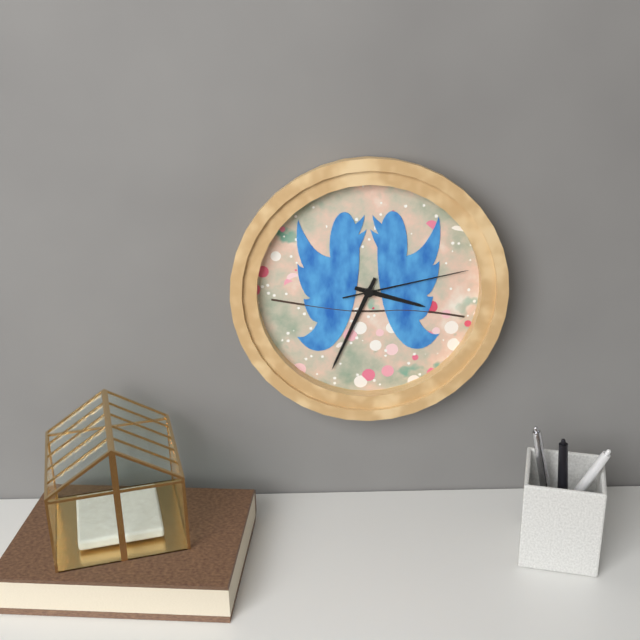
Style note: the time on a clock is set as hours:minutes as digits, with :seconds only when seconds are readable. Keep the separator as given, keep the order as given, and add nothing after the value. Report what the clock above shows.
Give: 3:34:13
